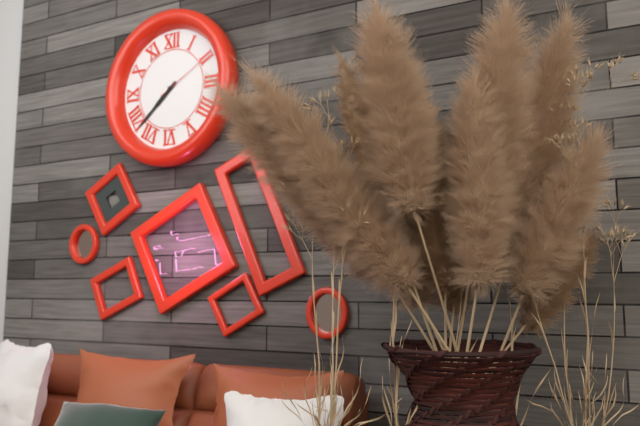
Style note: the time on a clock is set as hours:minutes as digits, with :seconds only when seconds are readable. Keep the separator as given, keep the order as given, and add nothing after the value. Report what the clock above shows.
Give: 7:38:10
